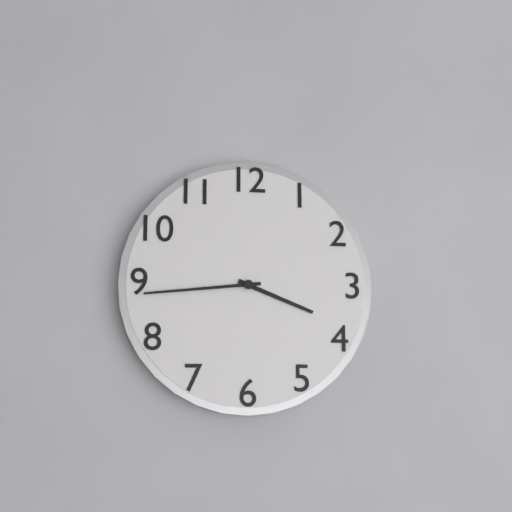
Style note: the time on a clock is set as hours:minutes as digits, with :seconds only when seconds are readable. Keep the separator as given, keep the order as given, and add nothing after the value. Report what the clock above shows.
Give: 3:44
